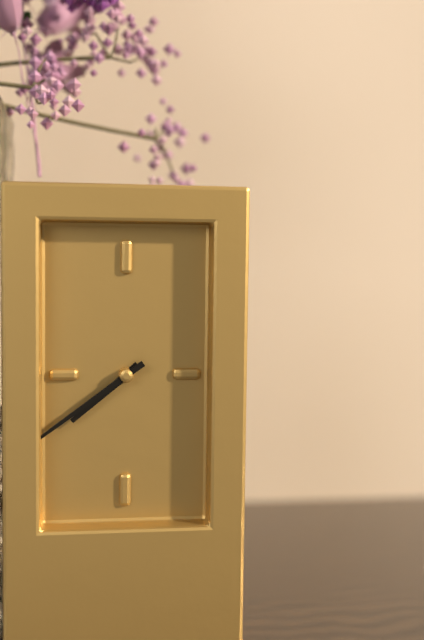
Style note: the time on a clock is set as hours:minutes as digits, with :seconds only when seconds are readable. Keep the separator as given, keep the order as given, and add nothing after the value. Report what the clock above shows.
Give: 7:39
